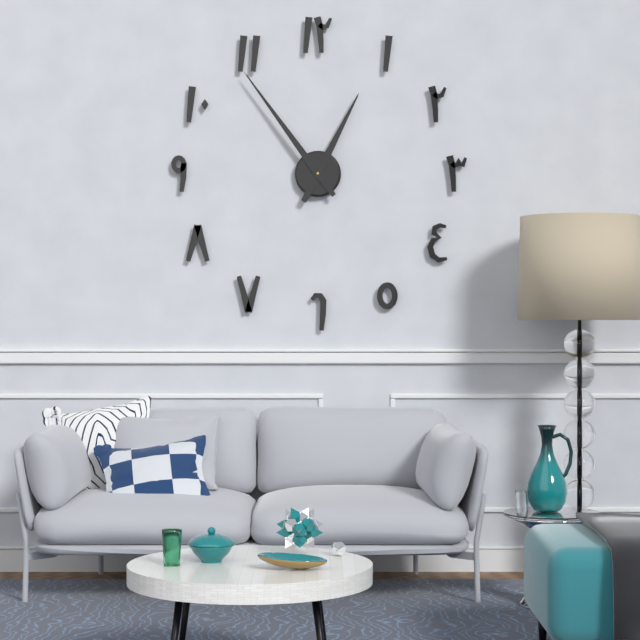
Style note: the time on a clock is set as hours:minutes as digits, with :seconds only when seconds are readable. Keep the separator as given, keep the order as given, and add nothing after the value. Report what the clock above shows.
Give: 12:54
